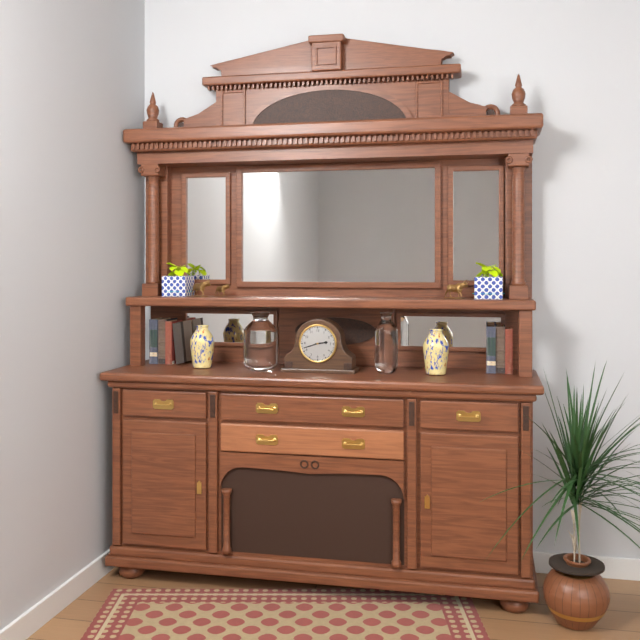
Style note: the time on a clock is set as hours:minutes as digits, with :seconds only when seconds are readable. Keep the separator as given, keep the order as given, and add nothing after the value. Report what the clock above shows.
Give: 2:42
